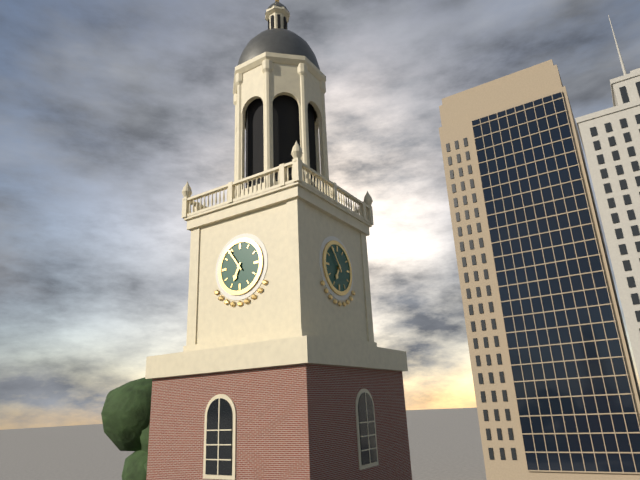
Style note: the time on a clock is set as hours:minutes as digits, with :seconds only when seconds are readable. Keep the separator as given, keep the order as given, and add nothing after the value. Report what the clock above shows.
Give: 6:54
